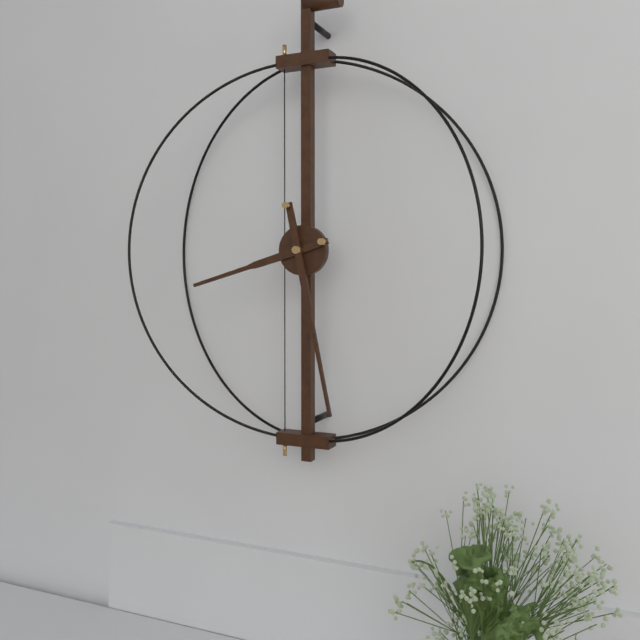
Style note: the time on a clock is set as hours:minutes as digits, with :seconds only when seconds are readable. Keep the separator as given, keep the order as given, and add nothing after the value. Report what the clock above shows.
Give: 8:28
